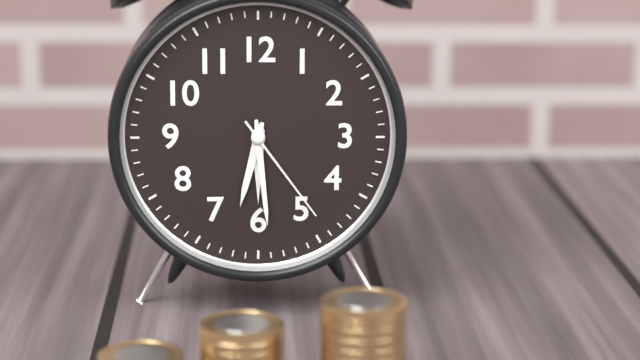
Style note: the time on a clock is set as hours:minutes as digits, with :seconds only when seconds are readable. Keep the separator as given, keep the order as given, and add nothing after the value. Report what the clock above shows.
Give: 6:29:24
